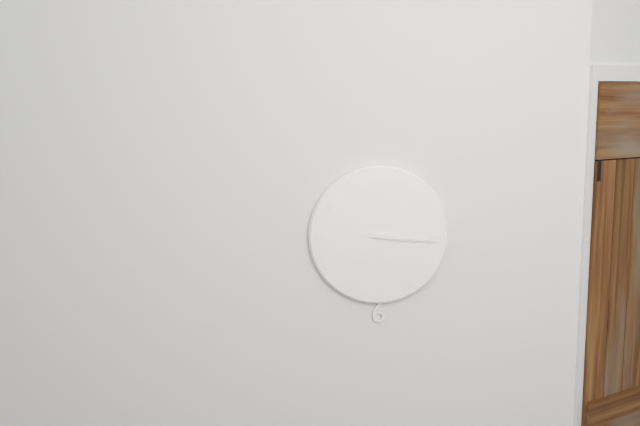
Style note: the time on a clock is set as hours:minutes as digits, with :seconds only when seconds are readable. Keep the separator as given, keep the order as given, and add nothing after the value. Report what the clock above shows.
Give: 3:16
